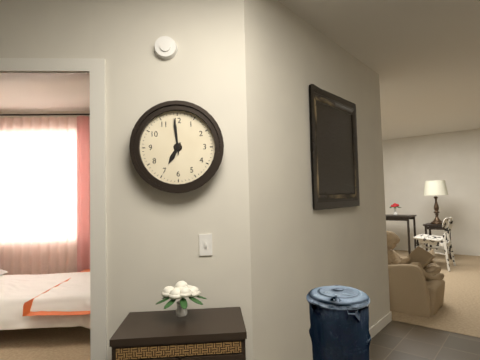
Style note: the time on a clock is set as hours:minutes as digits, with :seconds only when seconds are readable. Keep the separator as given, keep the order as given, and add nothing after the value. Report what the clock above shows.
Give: 6:59
